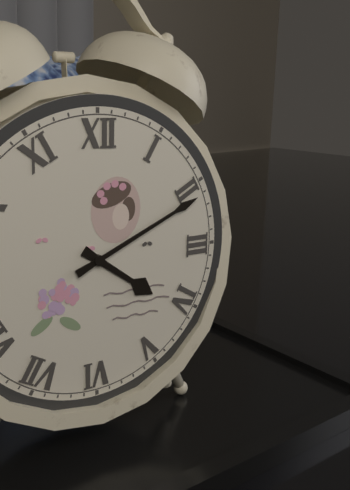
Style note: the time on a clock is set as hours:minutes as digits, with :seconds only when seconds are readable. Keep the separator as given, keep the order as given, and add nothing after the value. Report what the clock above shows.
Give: 4:11
